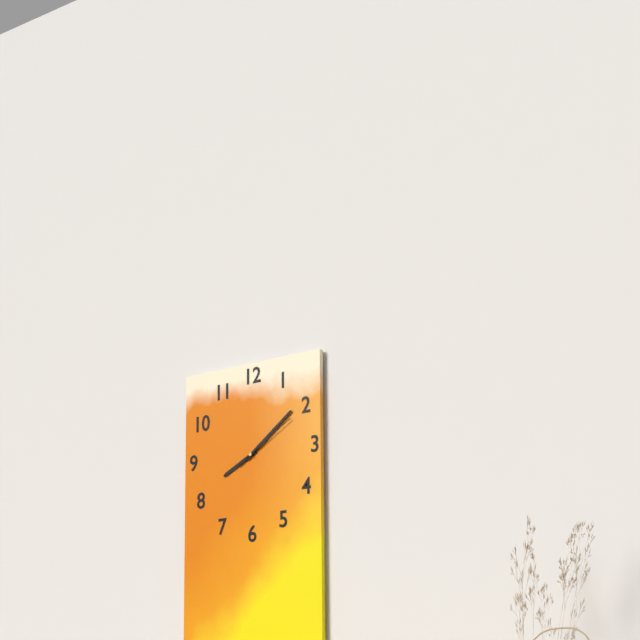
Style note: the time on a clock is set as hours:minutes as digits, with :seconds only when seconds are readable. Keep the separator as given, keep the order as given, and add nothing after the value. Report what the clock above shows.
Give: 8:09:10
